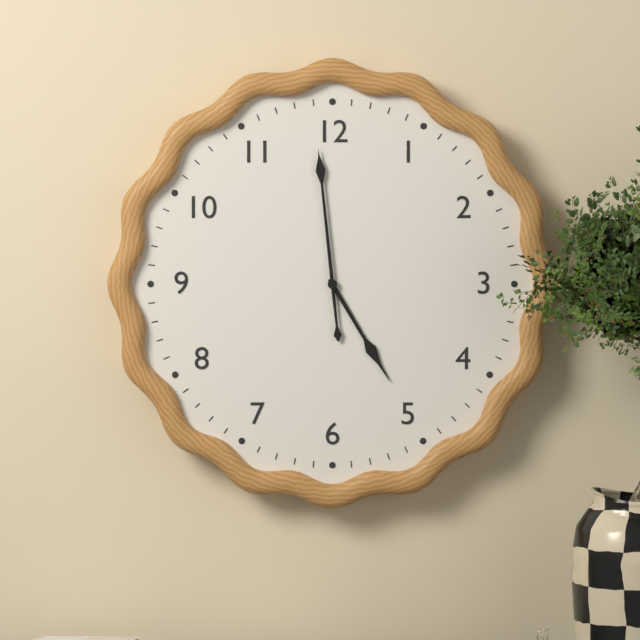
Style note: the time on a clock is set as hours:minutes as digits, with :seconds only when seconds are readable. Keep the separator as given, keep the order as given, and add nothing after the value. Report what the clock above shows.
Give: 4:59
